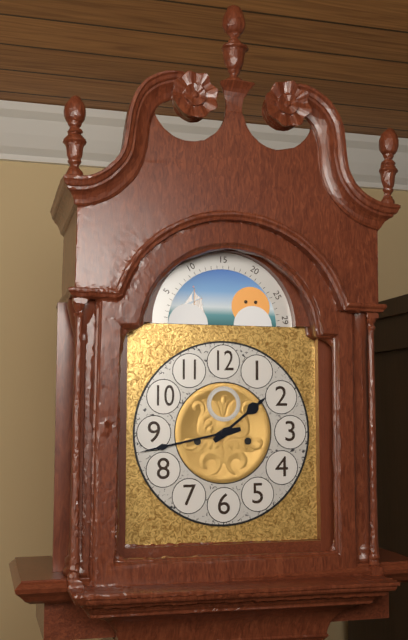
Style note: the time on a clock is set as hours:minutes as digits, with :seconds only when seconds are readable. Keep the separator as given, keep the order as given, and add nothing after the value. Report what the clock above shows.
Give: 1:43
